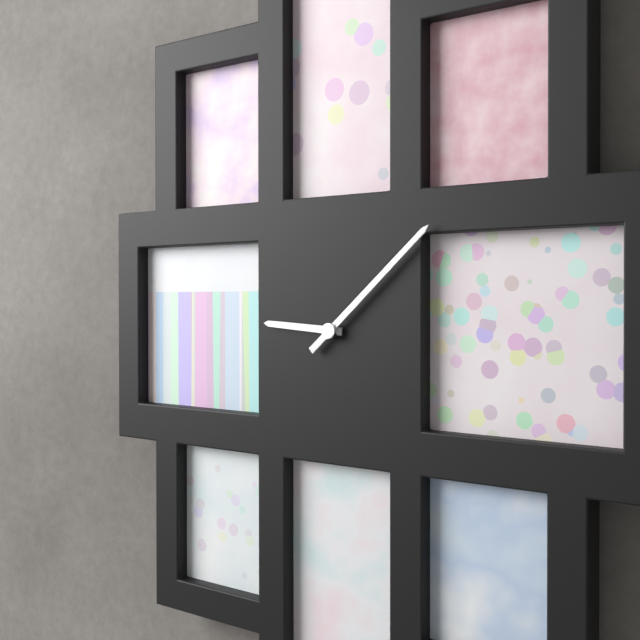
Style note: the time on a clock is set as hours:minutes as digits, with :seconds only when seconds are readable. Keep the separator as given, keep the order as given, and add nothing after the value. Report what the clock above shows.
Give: 9:08
